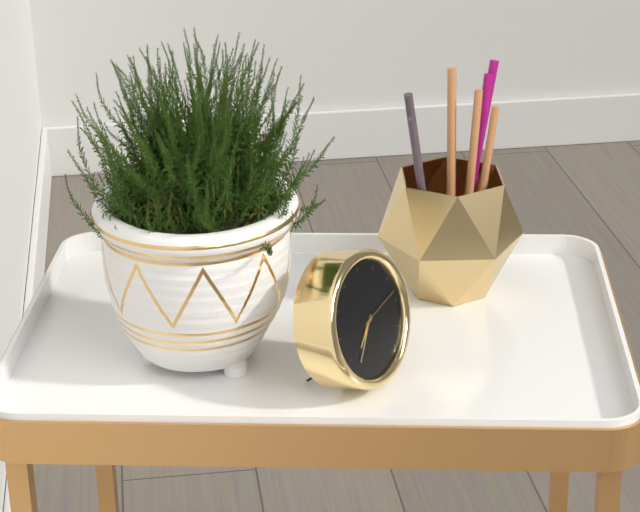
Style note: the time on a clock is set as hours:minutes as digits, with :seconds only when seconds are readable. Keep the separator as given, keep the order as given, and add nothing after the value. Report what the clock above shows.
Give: 7:37
